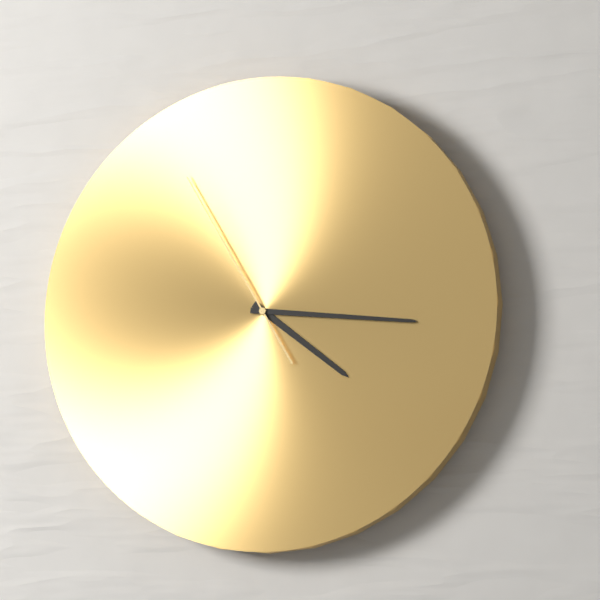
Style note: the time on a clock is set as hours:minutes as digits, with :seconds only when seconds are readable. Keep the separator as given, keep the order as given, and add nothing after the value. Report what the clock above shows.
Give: 4:16:55
